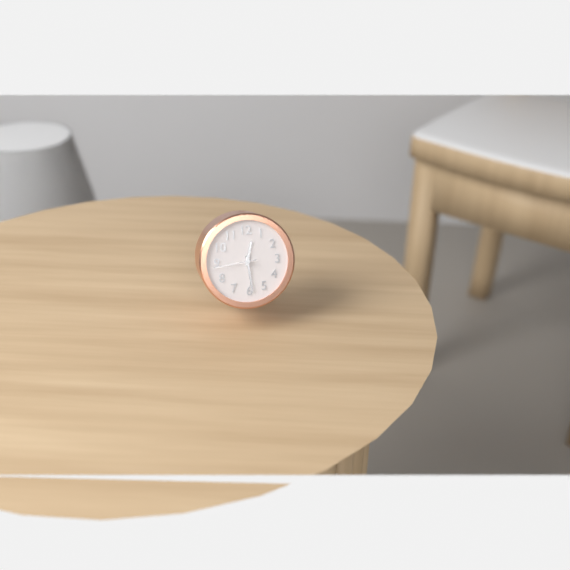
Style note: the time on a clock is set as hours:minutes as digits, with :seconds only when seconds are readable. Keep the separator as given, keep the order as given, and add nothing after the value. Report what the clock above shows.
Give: 12:29
